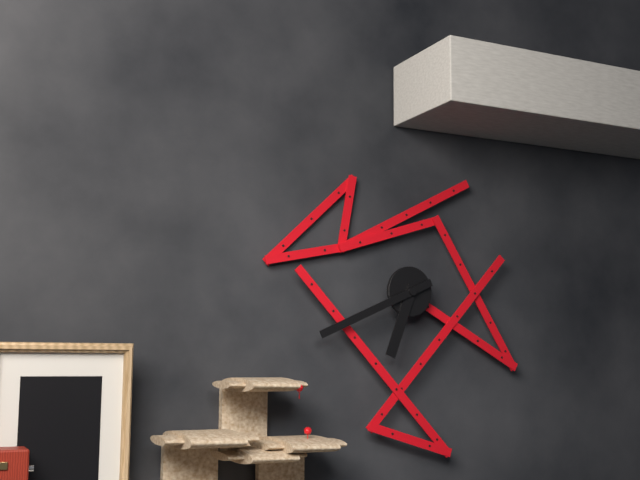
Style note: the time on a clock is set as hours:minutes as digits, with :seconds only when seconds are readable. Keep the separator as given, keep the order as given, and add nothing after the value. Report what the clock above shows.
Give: 6:41
